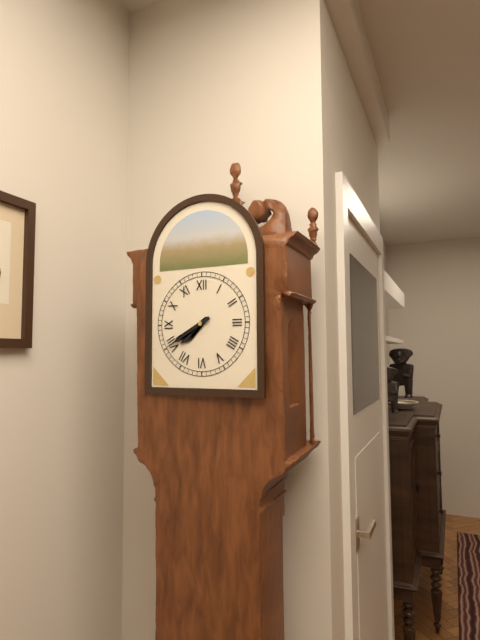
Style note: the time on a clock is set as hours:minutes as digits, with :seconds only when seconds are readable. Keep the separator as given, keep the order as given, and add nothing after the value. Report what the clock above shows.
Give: 7:40
